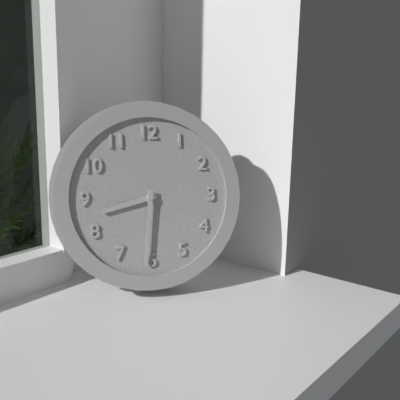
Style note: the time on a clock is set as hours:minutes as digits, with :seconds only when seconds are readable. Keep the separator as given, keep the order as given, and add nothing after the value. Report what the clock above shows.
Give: 8:31
